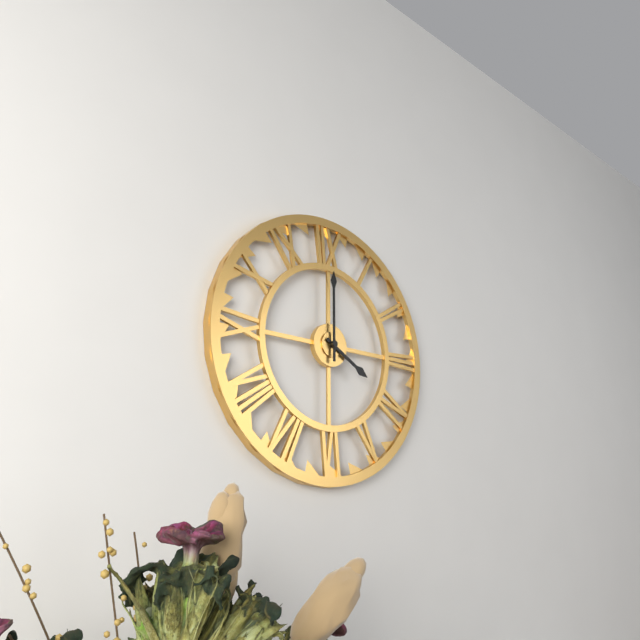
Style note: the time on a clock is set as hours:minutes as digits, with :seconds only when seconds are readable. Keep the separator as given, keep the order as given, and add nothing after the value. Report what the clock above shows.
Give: 4:00
